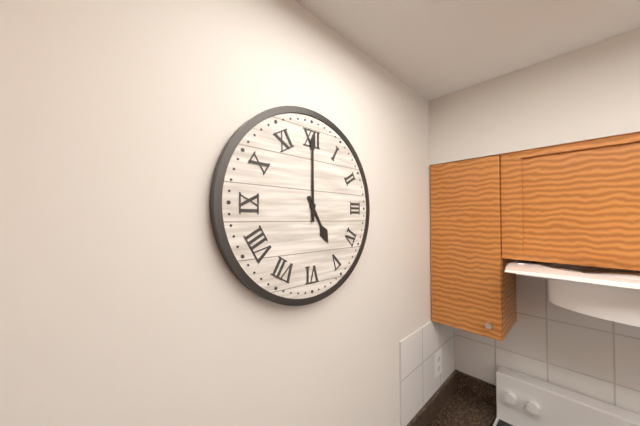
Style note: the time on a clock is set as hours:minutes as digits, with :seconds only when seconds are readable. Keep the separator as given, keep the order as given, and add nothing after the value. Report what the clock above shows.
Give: 5:00
